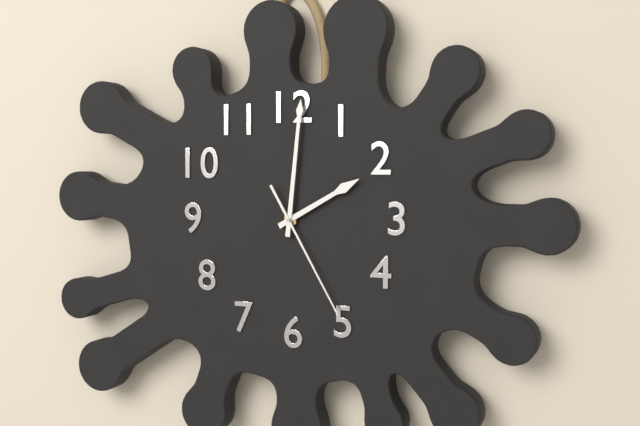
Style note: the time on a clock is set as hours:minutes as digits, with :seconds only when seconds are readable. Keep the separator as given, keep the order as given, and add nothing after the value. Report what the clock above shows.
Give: 2:01:25
